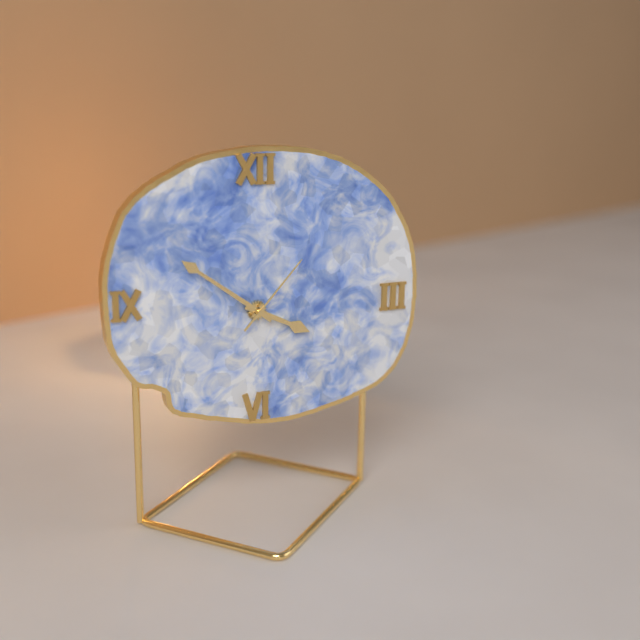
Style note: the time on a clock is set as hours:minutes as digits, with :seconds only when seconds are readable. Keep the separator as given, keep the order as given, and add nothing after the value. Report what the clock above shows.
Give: 3:51:07
